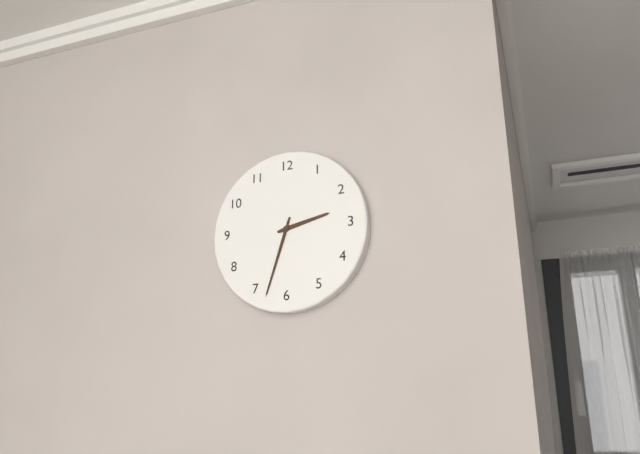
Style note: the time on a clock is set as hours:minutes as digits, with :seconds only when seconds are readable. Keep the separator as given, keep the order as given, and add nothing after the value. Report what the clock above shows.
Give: 2:33
